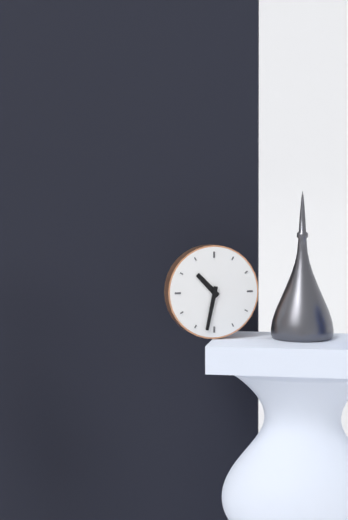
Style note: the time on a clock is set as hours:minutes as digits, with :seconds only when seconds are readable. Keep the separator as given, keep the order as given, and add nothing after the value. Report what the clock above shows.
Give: 10:32
